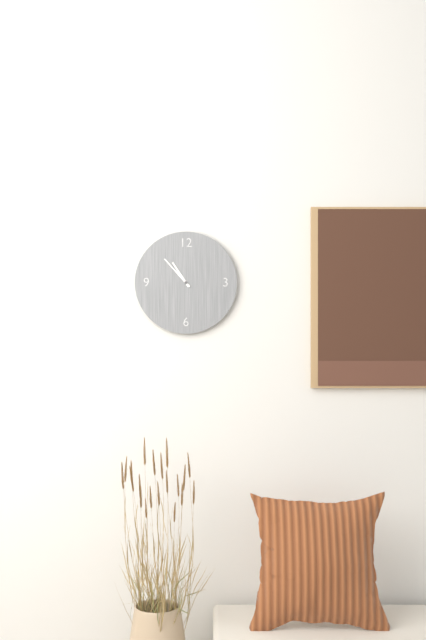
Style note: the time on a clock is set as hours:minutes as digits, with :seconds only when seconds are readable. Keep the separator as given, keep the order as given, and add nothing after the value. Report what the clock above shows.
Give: 10:53
